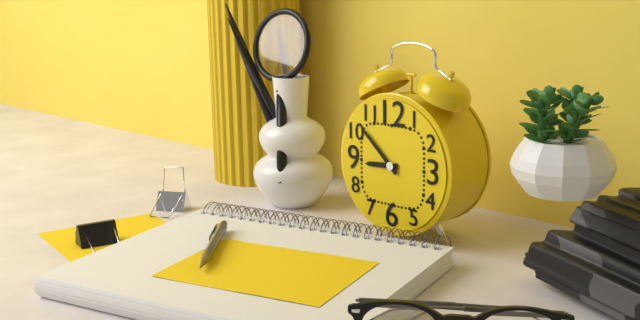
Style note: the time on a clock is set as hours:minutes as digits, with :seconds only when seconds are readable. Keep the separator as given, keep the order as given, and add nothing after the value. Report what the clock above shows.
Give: 8:52
